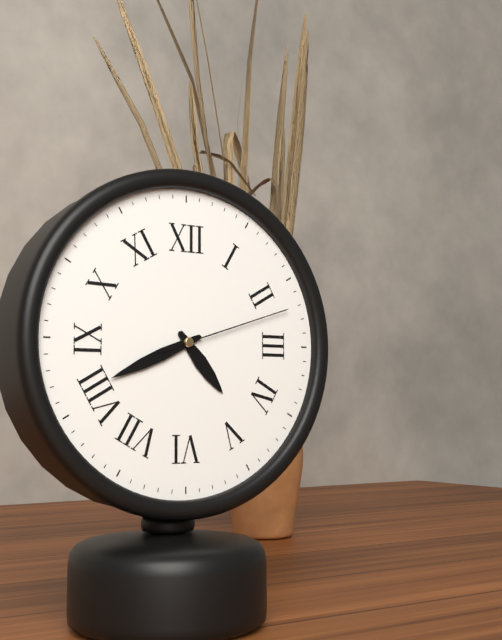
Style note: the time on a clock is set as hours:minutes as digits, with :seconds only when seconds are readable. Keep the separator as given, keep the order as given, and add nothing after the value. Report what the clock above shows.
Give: 4:41:12
